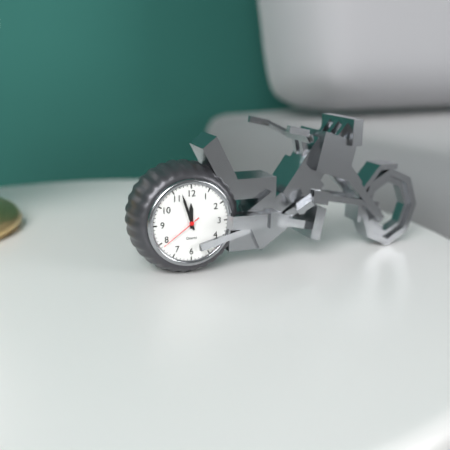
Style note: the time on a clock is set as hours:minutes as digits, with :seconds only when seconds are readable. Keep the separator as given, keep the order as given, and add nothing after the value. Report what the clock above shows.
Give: 11:57
